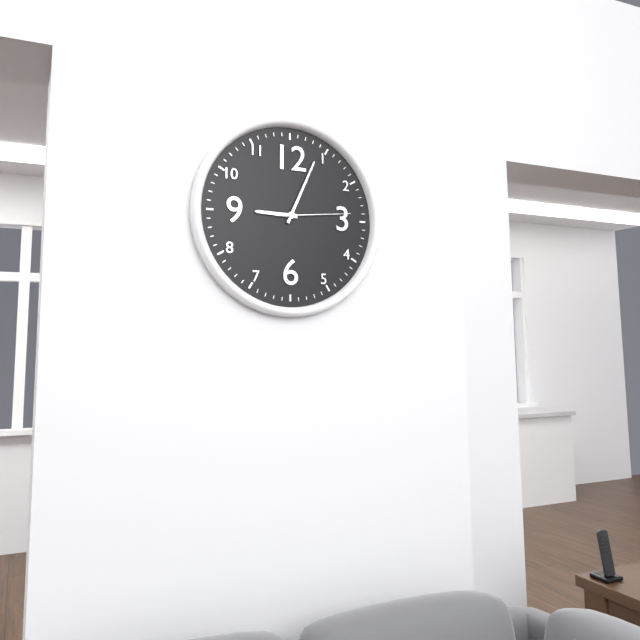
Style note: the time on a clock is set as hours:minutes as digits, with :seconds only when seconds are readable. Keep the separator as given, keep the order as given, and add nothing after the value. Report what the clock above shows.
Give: 9:04:14
